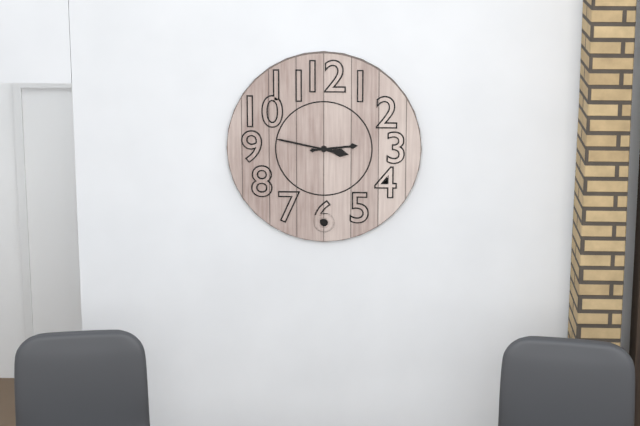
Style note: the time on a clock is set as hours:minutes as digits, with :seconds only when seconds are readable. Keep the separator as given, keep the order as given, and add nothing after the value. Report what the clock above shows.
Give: 2:47
